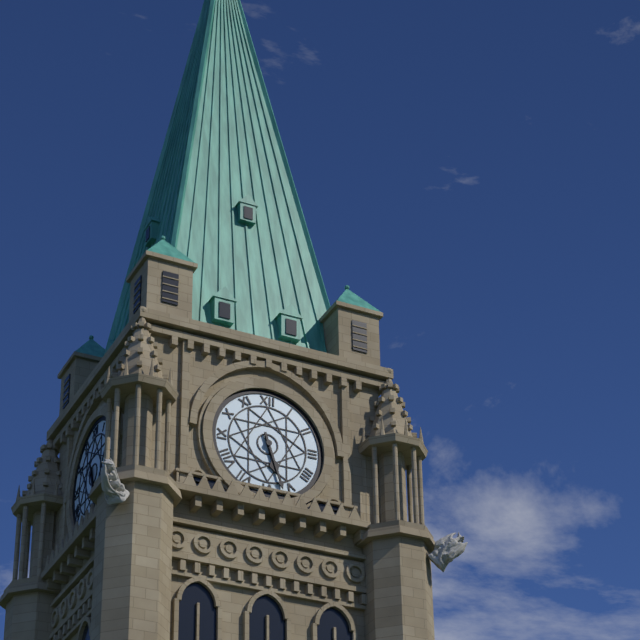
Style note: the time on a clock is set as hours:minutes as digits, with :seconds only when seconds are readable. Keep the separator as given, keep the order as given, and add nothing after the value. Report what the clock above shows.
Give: 5:27
